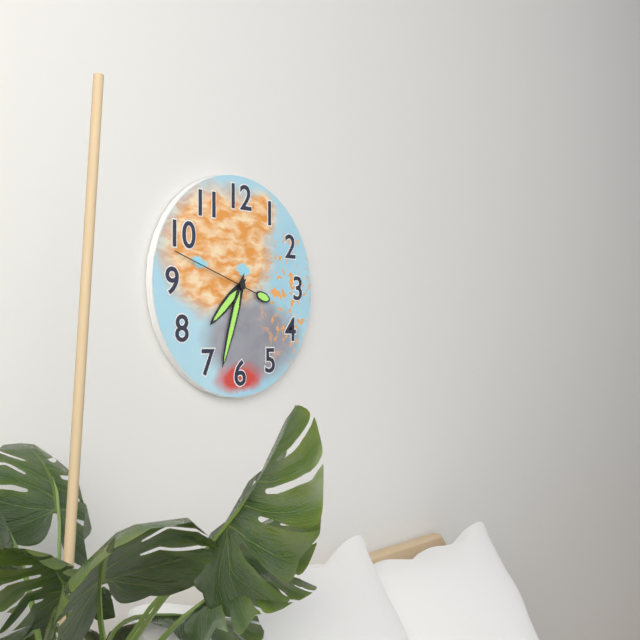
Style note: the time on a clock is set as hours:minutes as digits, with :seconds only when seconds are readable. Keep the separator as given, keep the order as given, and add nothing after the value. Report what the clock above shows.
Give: 7:33:48
